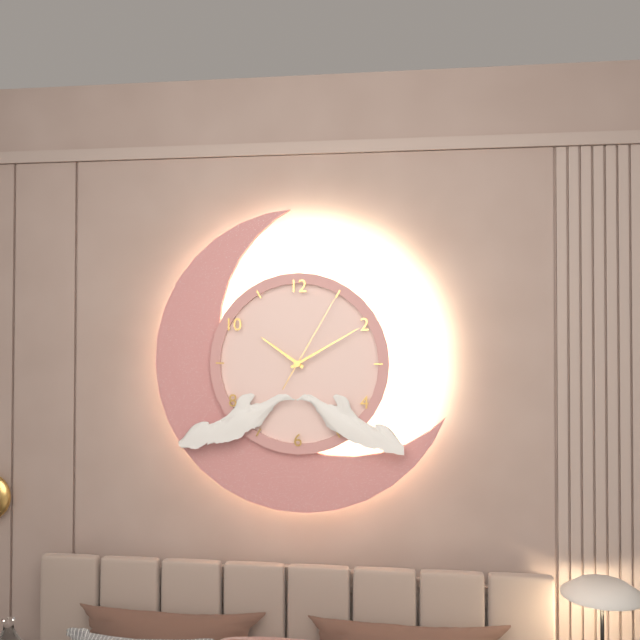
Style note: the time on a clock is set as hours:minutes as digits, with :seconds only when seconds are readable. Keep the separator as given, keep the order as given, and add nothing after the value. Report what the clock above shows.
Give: 10:10:05
